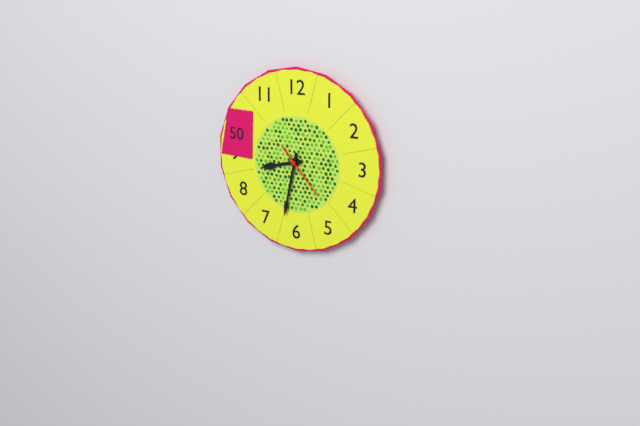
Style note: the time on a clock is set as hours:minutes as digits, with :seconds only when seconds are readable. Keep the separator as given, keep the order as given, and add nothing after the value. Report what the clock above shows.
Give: 8:32:23
